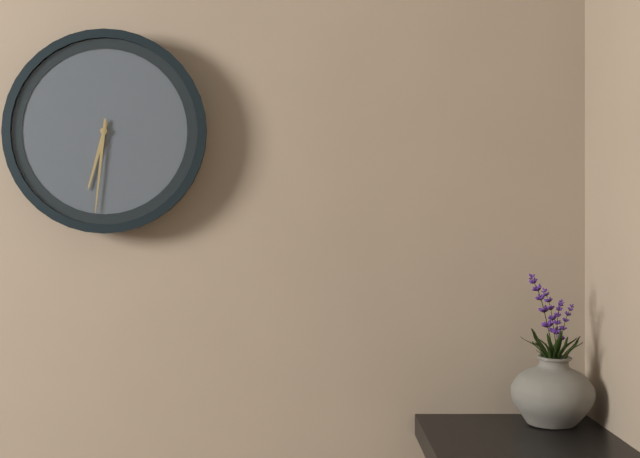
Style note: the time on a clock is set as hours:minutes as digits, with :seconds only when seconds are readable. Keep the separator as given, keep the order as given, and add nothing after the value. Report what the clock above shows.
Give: 6:31
